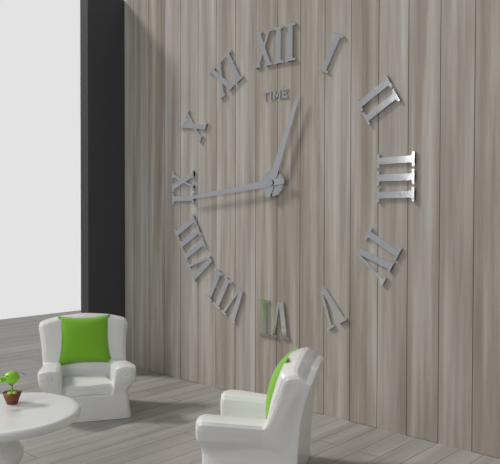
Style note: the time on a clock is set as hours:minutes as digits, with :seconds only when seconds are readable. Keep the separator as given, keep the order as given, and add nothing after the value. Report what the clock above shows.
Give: 12:44
